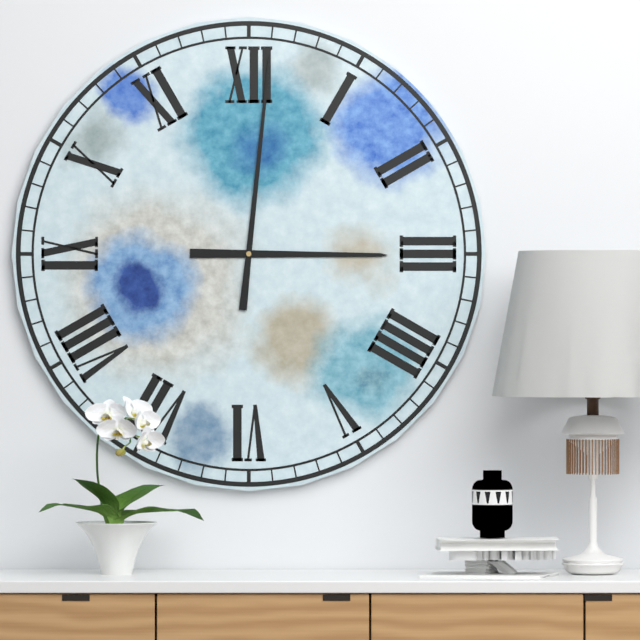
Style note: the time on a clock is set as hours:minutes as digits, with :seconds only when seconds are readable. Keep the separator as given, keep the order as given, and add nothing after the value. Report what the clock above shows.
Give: 3:01
